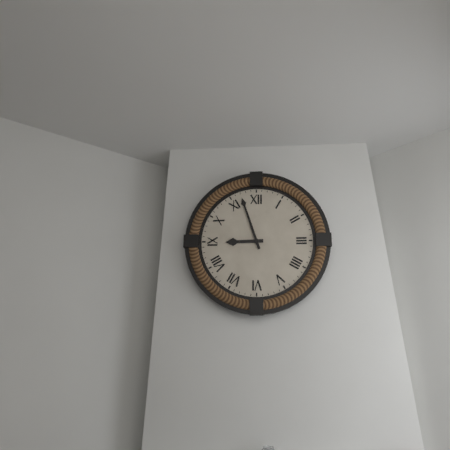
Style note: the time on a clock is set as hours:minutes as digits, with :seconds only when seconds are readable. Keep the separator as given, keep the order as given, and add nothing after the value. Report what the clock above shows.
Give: 8:57
